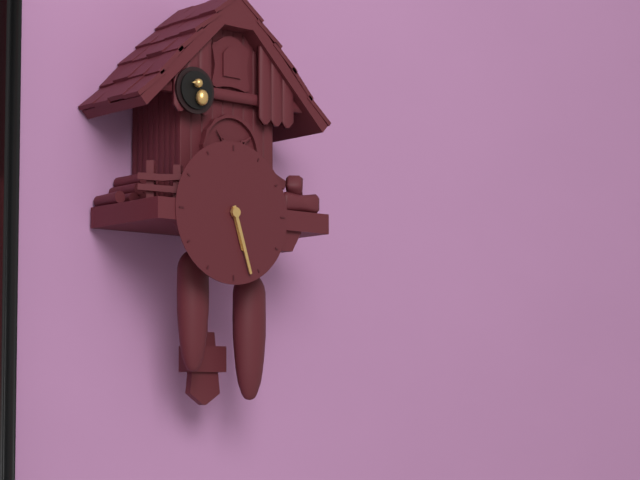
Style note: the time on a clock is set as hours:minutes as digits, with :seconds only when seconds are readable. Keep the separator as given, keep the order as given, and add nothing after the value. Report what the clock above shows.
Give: 5:27
